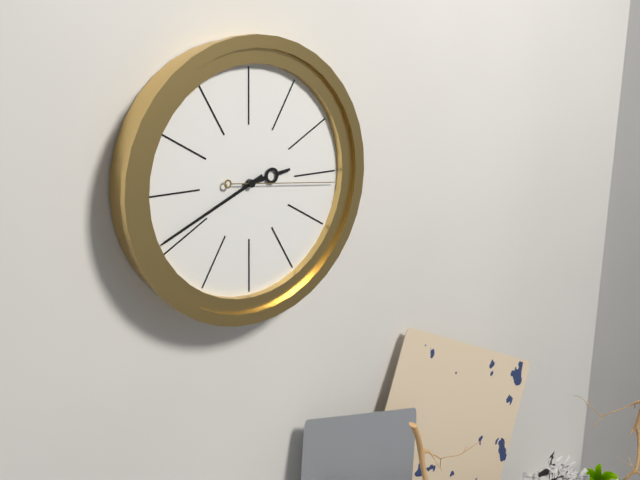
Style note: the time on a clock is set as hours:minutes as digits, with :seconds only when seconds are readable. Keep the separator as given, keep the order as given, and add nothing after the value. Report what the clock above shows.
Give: 2:41:16
